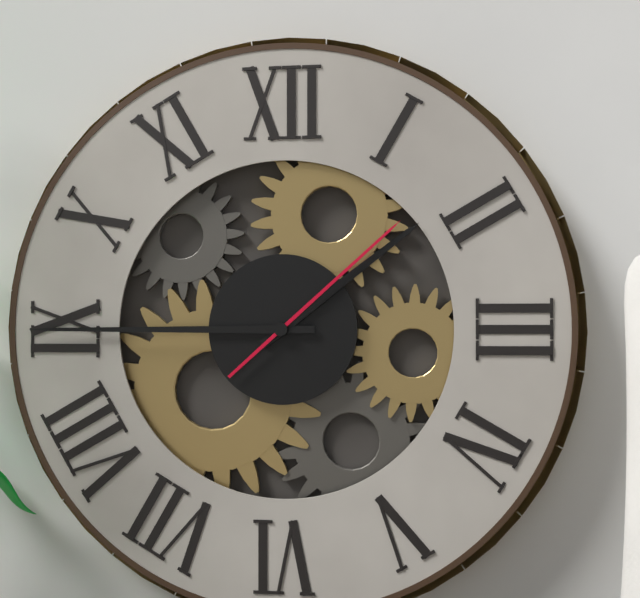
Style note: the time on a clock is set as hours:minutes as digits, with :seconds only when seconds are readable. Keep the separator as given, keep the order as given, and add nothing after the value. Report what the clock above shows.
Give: 1:45:08
